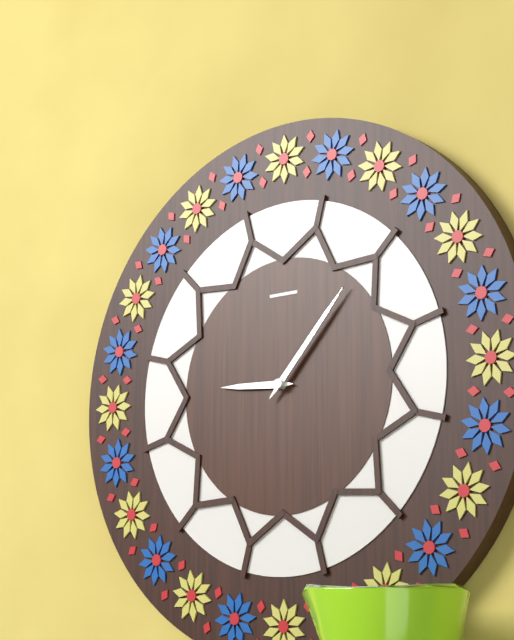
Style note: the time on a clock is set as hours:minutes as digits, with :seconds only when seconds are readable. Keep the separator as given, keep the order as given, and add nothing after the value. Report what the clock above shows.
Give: 9:07
